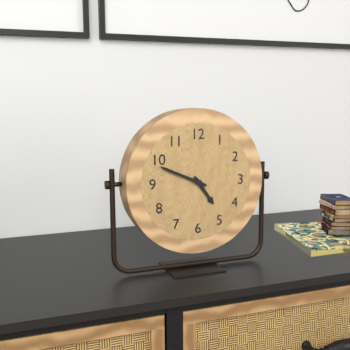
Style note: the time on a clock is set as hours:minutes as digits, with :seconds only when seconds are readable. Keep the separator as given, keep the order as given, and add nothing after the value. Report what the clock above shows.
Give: 4:49
